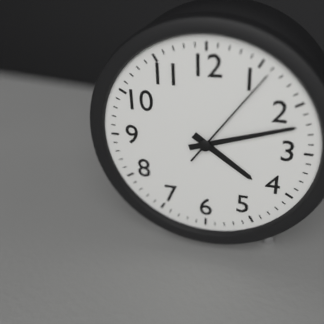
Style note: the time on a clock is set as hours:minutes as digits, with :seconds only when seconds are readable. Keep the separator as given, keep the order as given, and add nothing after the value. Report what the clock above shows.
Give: 4:12:06
